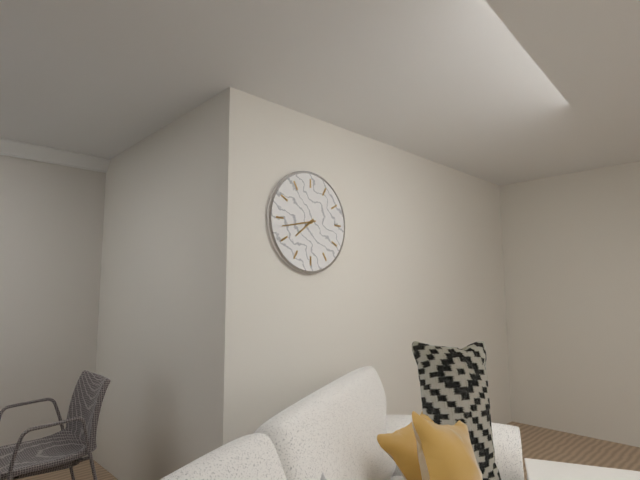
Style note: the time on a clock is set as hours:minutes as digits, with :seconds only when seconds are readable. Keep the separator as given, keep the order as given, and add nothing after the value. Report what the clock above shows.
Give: 7:43
